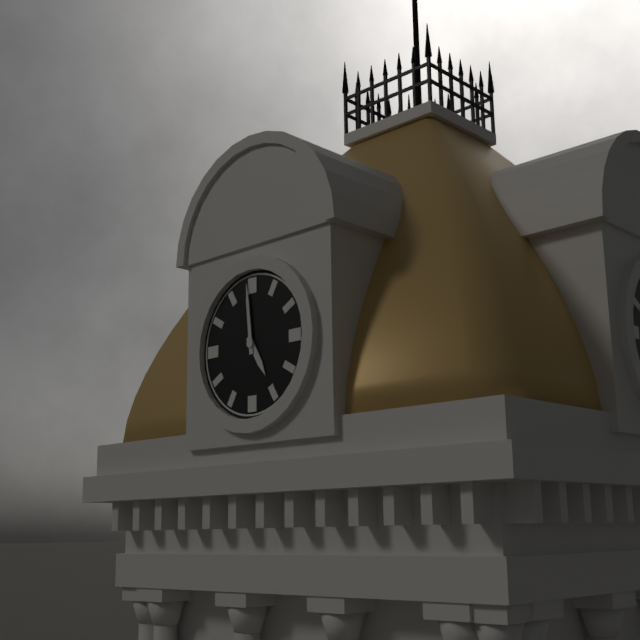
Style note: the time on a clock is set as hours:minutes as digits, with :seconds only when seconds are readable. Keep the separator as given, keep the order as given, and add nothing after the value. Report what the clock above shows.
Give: 4:59
